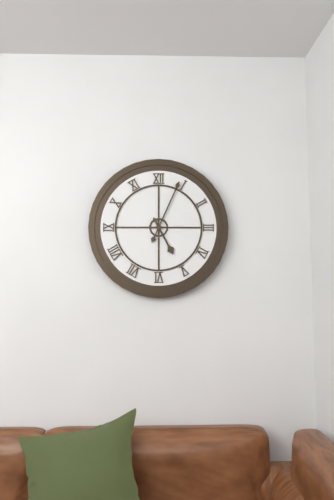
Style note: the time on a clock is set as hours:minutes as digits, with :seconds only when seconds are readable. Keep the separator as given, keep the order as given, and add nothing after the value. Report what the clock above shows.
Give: 5:04
